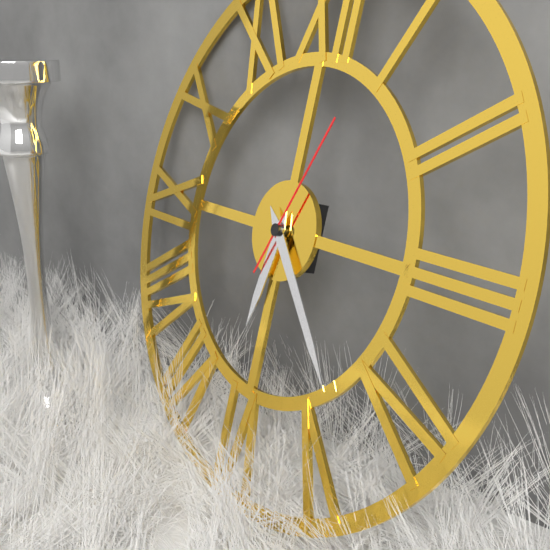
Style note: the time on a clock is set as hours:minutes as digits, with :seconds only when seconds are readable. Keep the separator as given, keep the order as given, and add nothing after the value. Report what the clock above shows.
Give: 6:23:04
